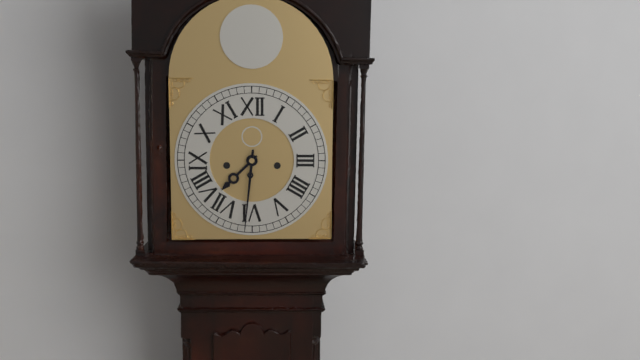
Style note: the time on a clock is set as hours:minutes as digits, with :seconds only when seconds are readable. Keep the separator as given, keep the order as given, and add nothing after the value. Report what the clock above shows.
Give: 7:31
